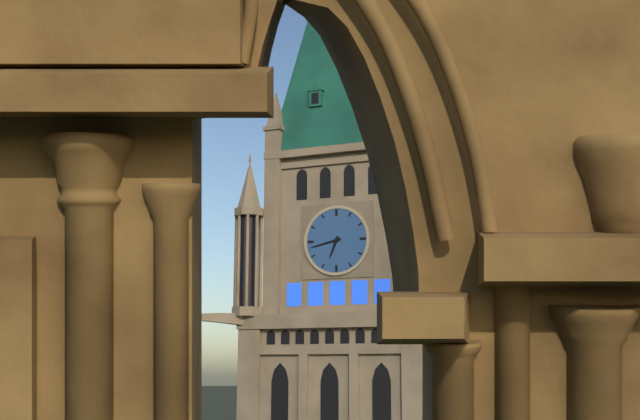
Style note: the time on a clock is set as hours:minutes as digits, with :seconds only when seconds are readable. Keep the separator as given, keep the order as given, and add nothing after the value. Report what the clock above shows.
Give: 6:43
